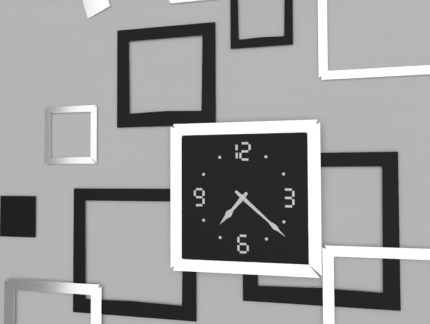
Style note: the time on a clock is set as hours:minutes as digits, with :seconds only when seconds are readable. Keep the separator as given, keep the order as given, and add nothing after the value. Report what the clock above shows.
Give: 7:22
